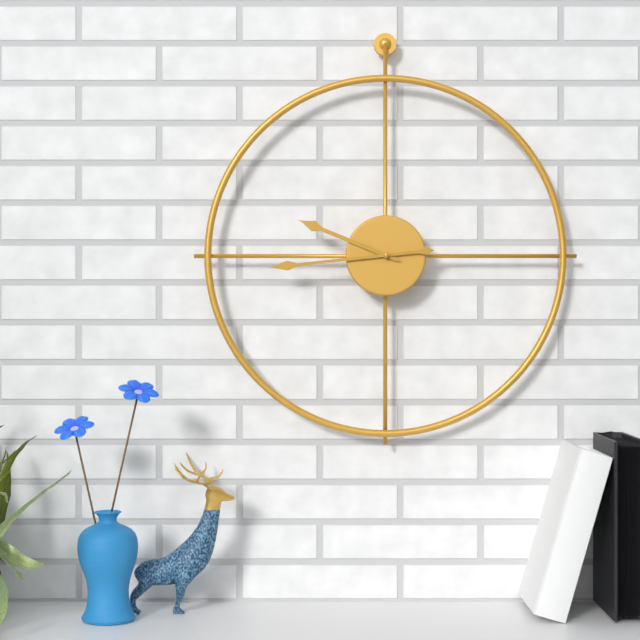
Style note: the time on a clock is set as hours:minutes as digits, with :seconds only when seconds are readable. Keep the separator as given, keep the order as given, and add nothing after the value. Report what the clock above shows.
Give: 9:44
